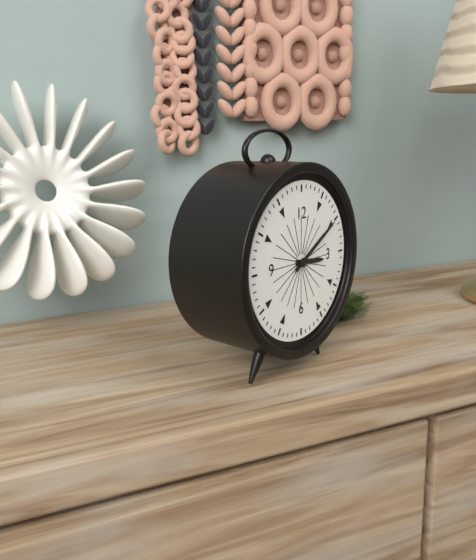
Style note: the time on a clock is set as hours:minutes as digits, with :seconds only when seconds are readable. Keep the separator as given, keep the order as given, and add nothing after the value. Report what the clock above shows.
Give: 3:10
